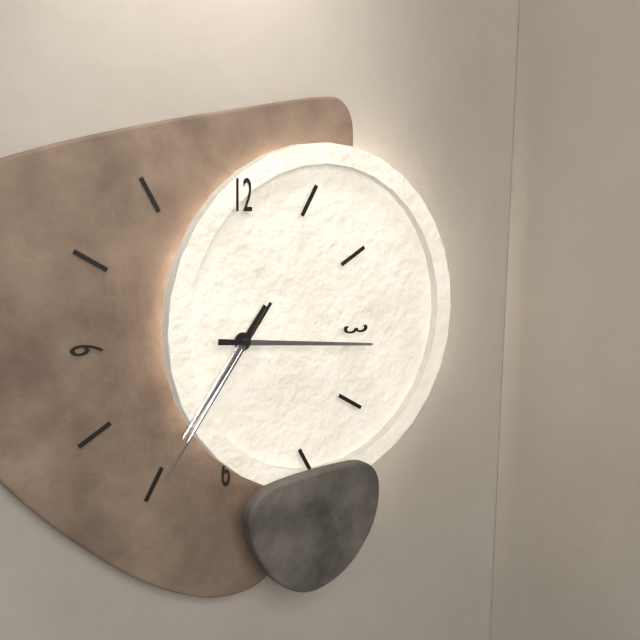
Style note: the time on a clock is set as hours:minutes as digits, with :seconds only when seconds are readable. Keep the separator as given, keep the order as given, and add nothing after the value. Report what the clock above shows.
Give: 7:16:36
